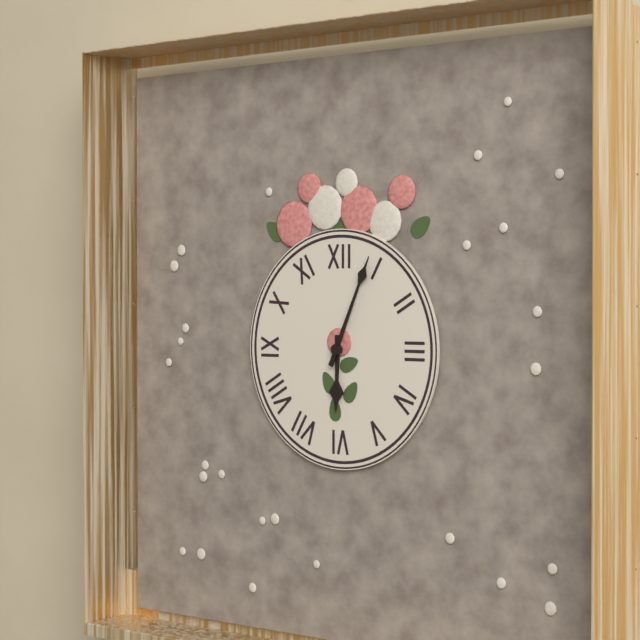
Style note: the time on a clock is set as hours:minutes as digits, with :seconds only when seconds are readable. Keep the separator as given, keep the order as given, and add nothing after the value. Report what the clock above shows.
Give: 6:04
